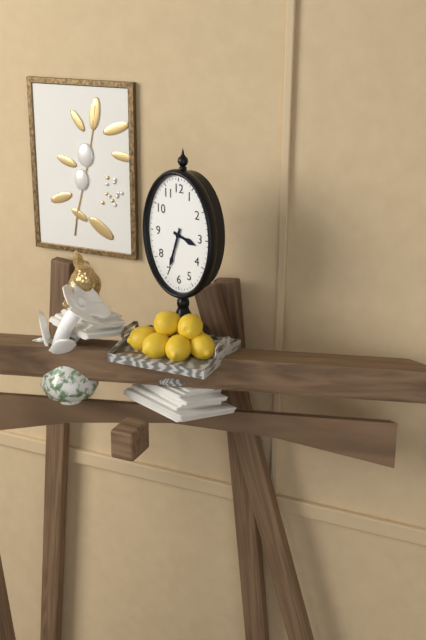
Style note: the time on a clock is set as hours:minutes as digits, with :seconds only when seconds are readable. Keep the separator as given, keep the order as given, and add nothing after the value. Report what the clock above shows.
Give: 3:33
